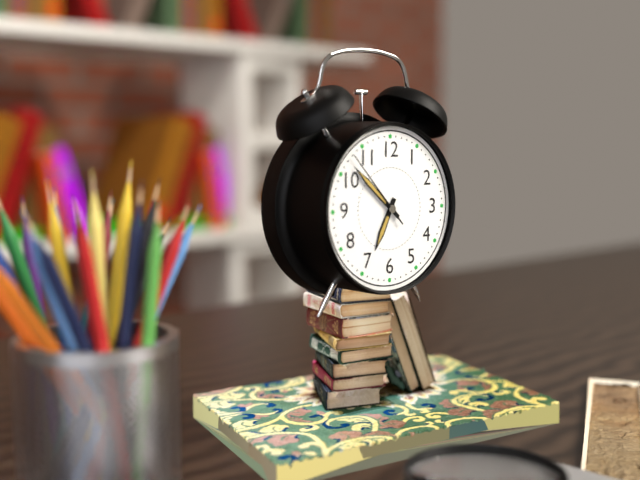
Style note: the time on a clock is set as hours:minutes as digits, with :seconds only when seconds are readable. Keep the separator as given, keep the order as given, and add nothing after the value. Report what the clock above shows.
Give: 6:52:53
